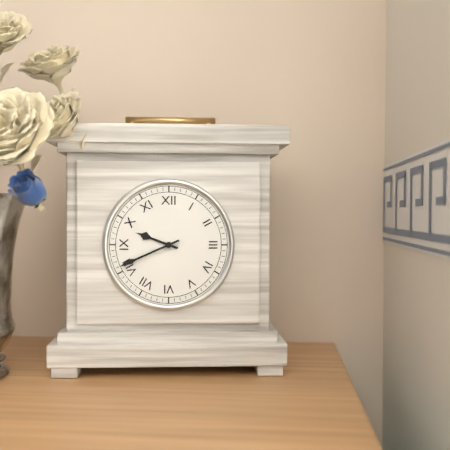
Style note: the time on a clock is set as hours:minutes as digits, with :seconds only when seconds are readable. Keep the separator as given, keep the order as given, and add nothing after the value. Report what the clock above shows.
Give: 9:41
